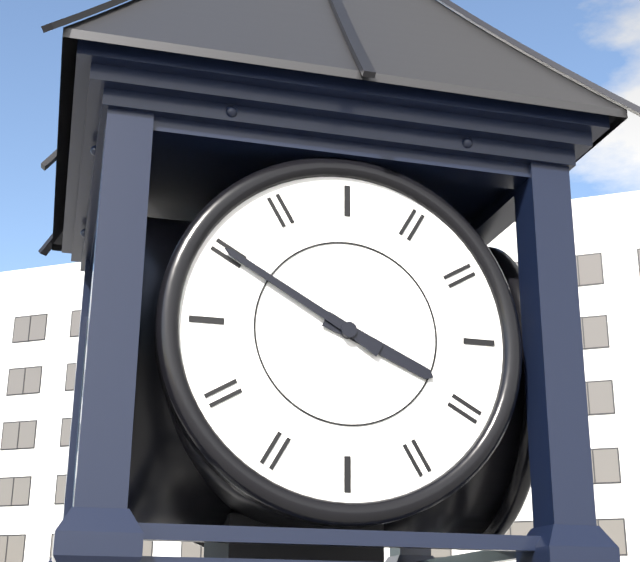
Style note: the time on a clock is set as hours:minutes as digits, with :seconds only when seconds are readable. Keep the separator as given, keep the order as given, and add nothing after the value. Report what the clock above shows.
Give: 3:50
